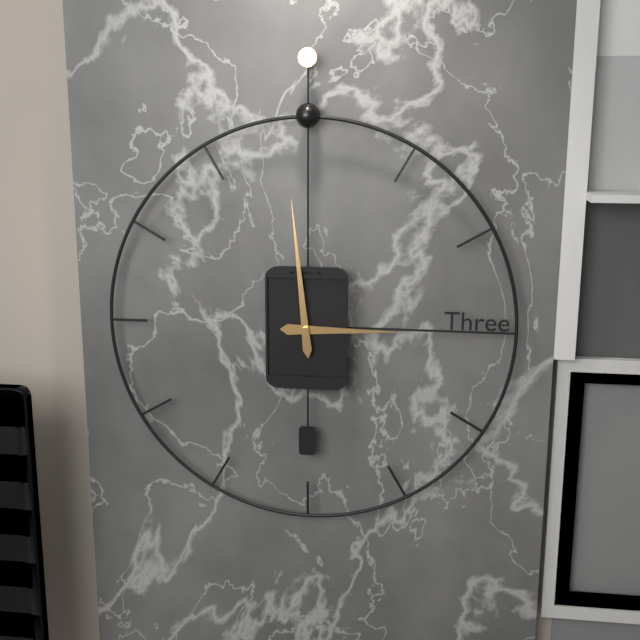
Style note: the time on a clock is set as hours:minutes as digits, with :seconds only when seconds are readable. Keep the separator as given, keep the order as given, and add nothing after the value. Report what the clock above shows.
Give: 2:59
